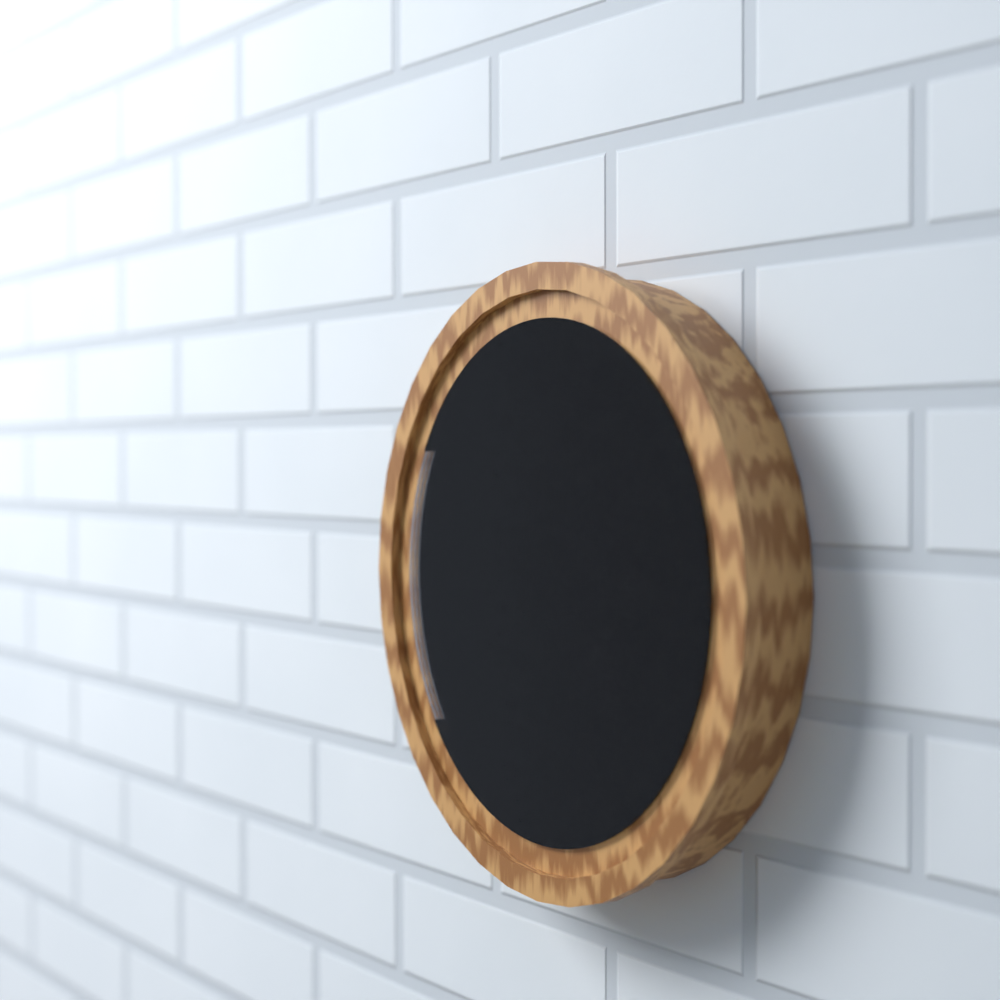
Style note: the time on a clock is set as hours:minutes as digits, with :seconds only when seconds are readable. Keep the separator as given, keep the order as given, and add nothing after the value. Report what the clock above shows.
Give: 12:53:10
